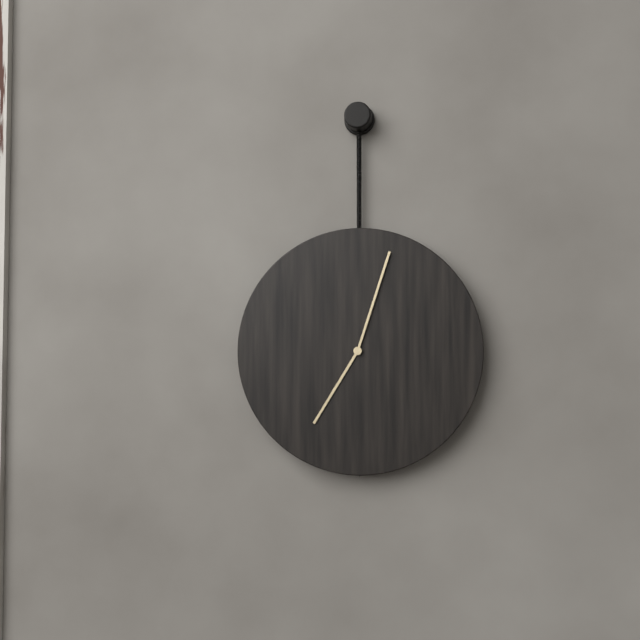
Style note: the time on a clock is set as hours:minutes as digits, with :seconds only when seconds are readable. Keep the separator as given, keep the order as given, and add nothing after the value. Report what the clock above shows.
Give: 7:03
